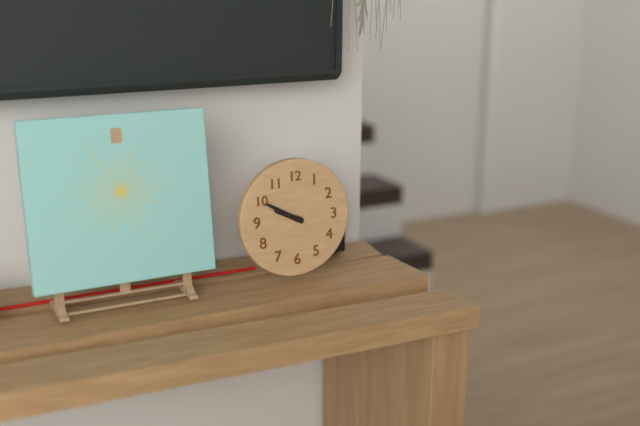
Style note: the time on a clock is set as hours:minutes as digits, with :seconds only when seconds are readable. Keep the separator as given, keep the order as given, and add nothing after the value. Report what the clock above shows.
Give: 9:50
